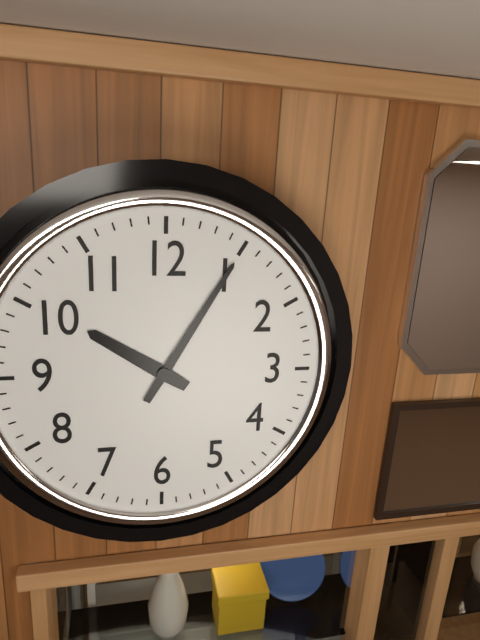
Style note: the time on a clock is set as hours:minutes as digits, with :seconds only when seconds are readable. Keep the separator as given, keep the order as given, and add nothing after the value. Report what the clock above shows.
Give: 10:05
